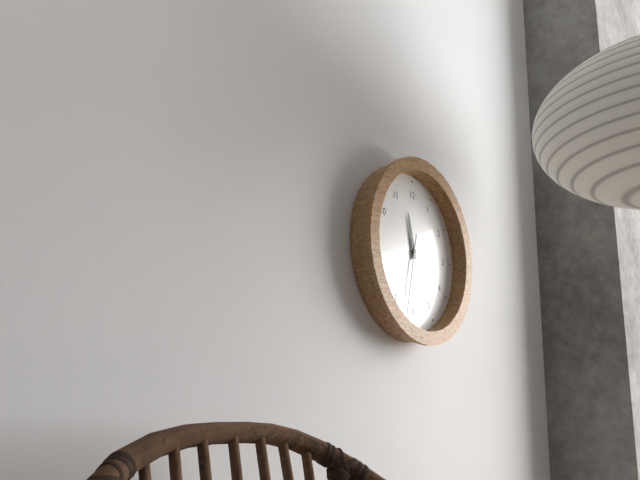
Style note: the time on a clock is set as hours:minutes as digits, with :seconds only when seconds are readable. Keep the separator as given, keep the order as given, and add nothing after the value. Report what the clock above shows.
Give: 11:32
